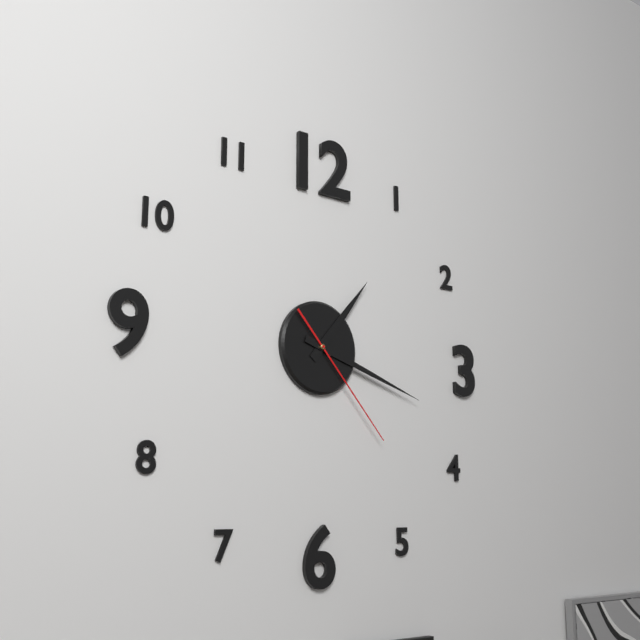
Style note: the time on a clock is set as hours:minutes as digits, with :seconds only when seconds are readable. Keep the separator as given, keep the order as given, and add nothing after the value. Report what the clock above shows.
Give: 1:18:23
